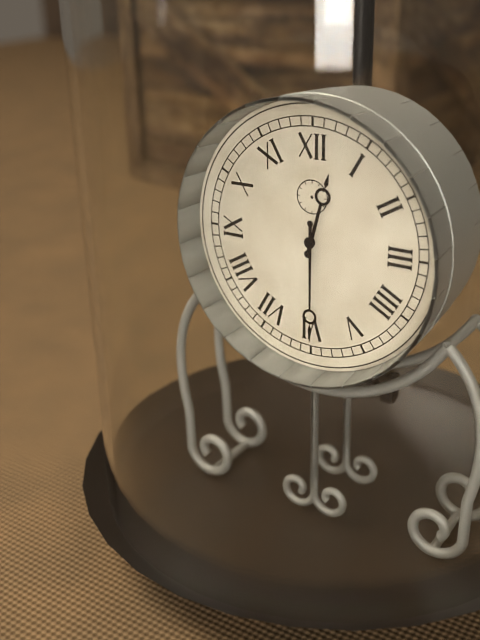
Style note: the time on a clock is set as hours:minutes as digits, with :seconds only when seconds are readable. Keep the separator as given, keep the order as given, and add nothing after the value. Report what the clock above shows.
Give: 12:30
